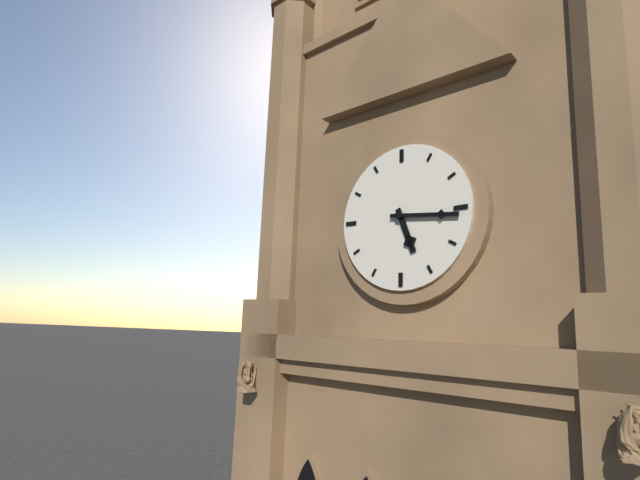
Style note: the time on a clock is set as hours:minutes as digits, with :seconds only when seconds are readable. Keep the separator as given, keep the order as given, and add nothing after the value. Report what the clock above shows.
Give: 5:16
